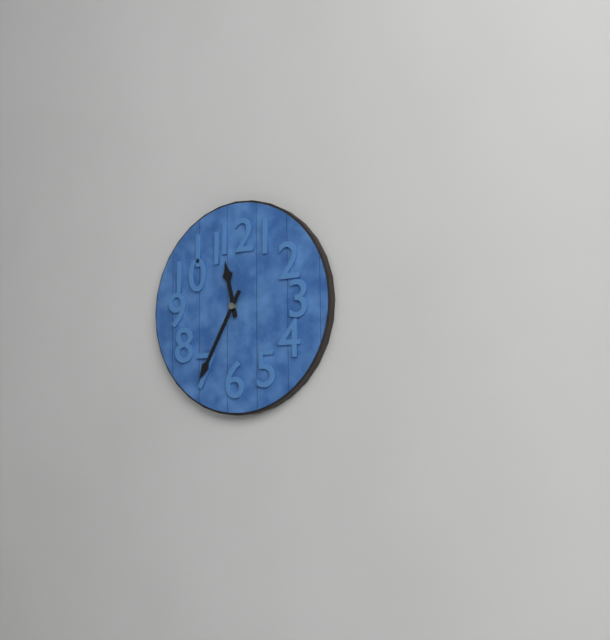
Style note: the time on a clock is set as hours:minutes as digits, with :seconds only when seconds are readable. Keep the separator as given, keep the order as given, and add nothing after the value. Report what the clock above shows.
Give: 11:35
